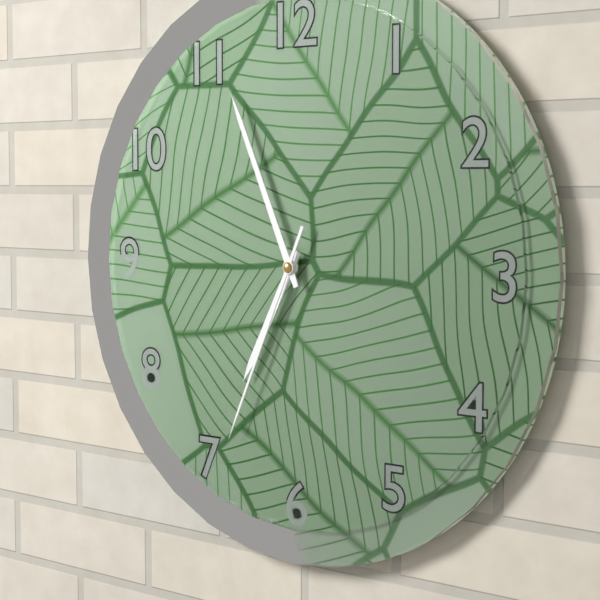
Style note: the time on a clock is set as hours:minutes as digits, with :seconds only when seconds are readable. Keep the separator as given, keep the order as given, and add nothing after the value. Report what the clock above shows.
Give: 6:56:34
